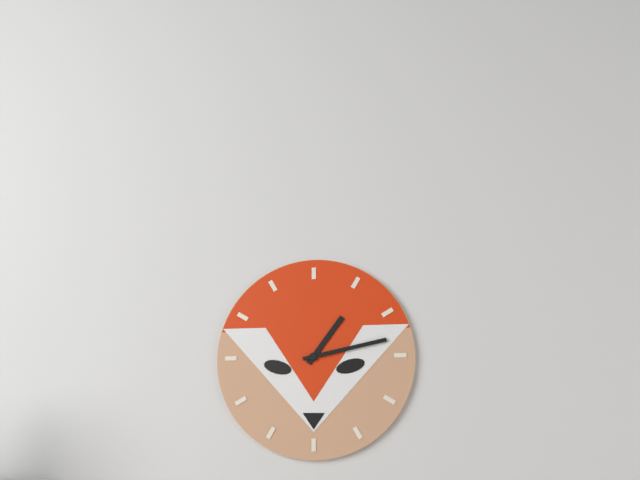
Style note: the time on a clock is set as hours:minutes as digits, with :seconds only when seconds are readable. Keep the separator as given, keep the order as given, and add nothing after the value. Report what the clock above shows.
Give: 1:13
